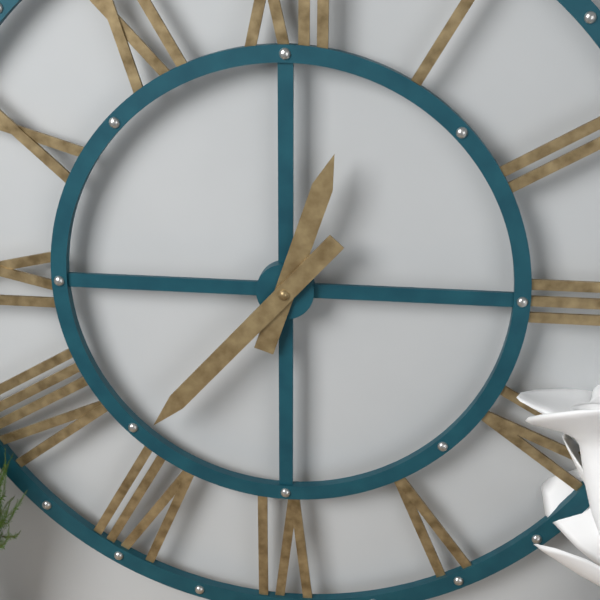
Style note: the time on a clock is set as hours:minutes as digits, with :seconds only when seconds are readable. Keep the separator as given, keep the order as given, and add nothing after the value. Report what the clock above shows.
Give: 12:37
